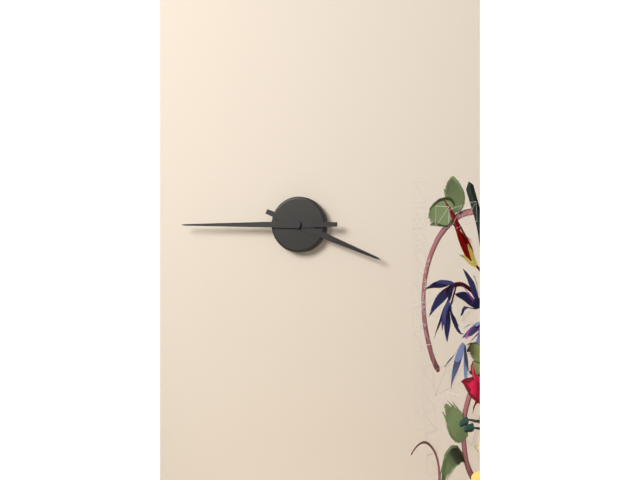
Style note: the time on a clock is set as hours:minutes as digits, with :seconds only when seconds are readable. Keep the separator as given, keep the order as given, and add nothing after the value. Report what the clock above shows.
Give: 3:45
